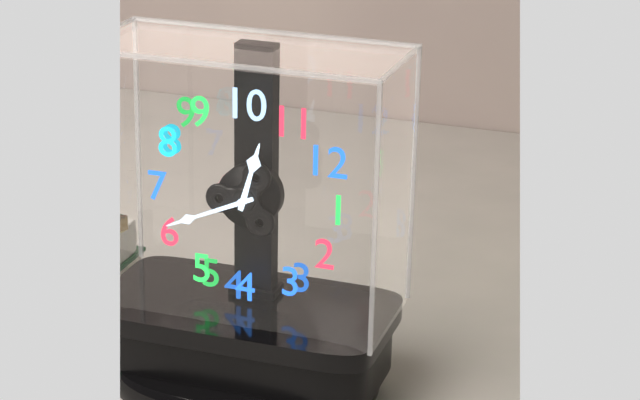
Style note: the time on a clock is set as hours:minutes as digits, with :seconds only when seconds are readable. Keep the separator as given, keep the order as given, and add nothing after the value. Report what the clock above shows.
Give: 10:31
